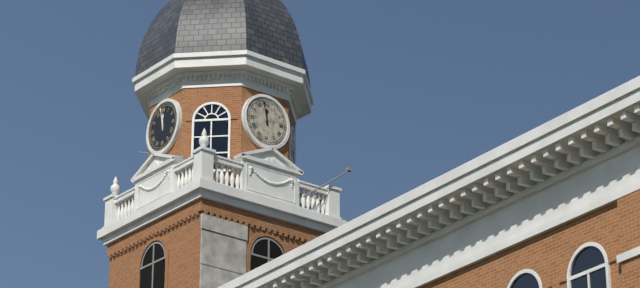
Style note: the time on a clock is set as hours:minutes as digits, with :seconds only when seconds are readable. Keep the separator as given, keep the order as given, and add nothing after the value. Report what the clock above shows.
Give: 11:58
